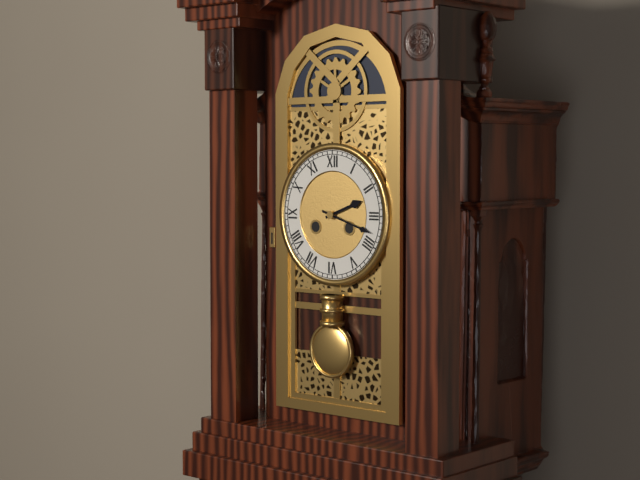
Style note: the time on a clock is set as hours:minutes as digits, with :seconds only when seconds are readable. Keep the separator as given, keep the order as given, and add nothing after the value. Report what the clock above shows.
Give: 2:18
